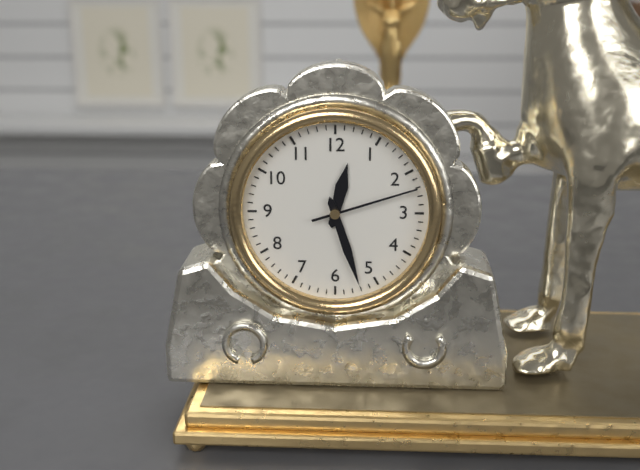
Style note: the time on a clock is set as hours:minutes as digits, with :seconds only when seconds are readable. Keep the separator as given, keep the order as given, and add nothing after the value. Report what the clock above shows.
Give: 12:27:12
